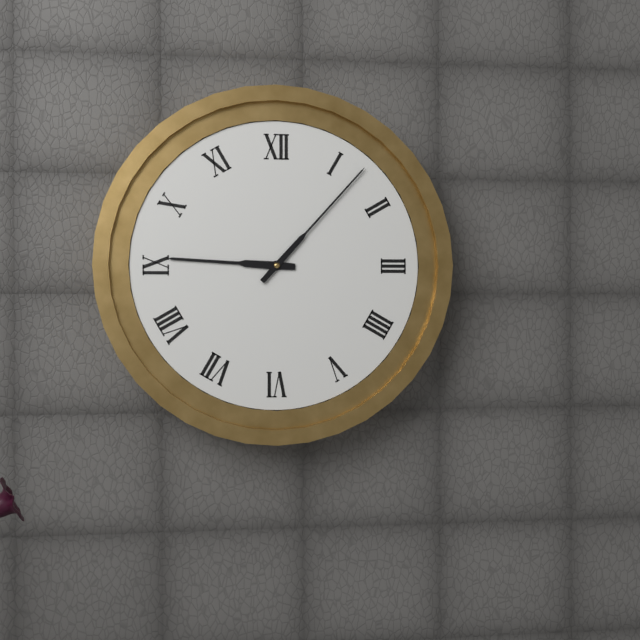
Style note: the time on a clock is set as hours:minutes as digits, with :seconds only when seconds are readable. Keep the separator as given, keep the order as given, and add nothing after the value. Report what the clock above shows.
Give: 9:07
